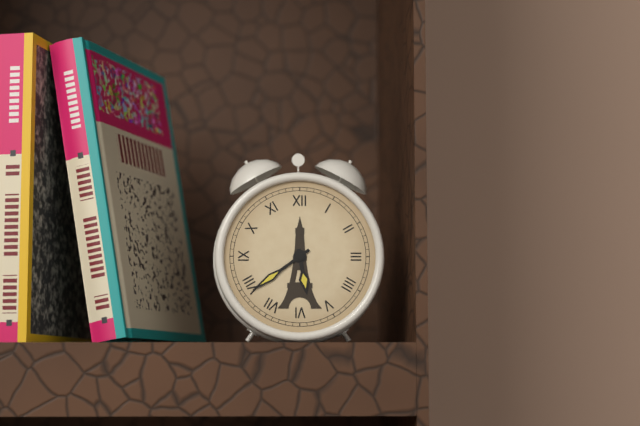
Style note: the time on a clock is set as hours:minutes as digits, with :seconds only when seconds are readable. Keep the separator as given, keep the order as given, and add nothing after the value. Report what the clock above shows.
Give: 5:39
